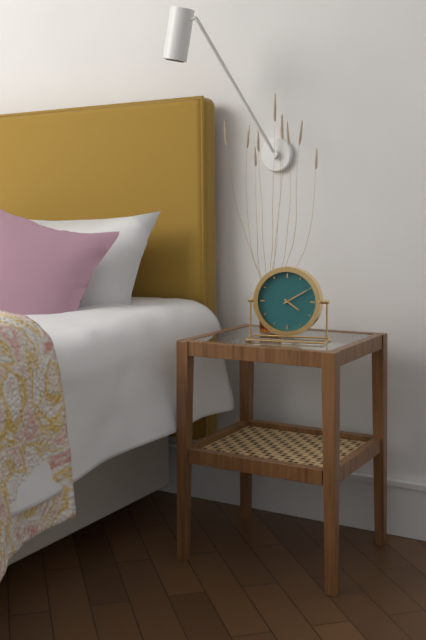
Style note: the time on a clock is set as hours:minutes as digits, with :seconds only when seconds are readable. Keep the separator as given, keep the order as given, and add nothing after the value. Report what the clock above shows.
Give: 4:10
